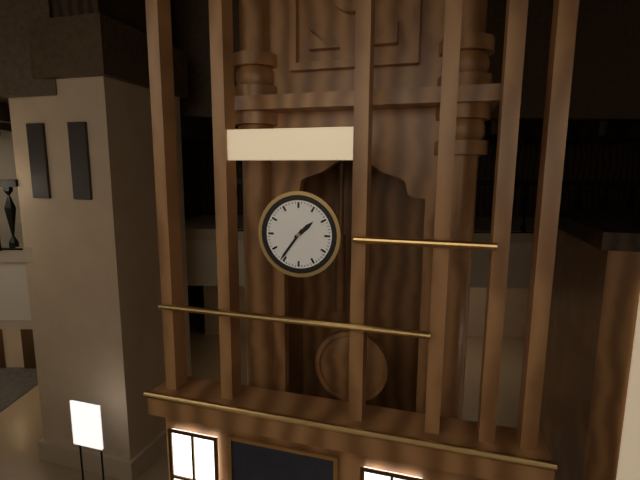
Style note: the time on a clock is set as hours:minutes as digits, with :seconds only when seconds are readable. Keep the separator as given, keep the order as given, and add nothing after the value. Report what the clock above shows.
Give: 1:36
